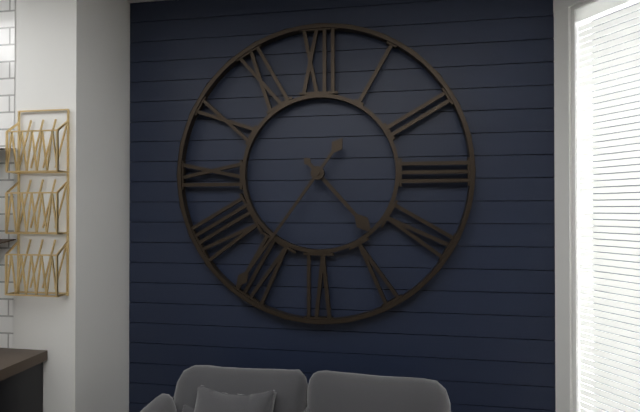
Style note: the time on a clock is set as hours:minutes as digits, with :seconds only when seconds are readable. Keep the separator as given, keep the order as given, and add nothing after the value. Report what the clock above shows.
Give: 4:36
